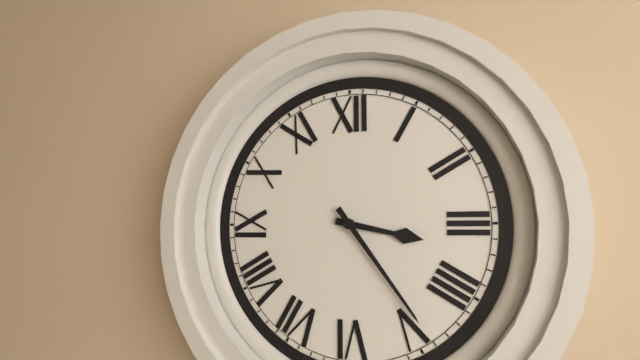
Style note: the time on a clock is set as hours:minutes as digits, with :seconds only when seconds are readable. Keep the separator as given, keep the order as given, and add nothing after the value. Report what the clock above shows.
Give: 3:24
